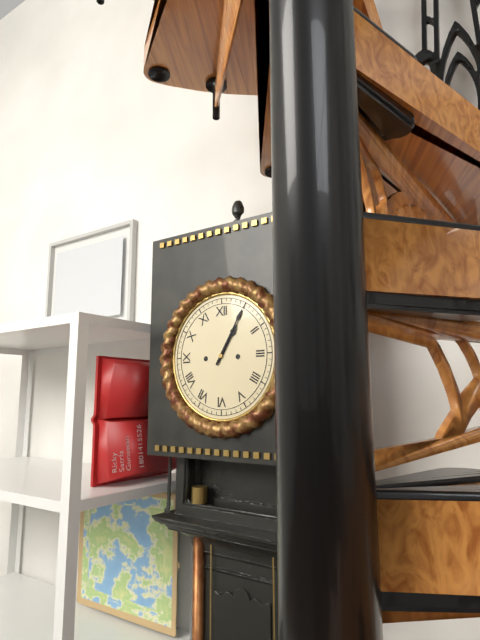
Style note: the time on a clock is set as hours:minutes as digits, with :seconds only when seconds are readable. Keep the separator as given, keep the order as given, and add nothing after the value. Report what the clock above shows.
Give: 1:05
